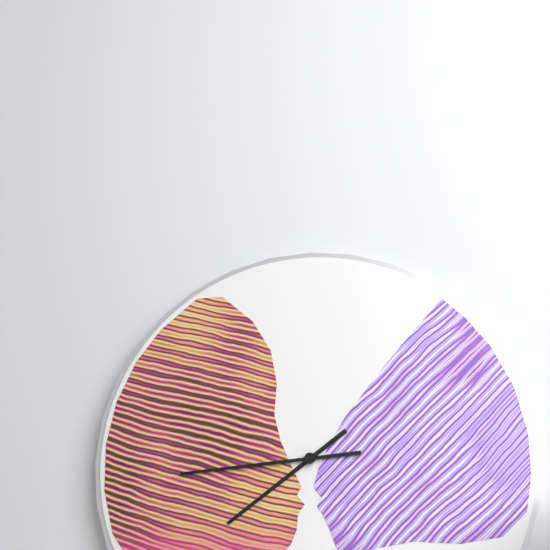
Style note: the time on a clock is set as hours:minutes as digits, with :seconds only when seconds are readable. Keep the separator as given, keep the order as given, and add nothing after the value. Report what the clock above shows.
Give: 7:44
